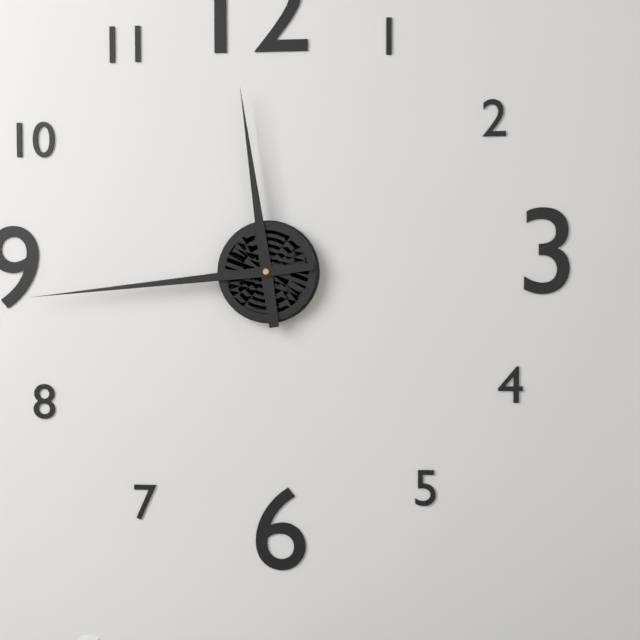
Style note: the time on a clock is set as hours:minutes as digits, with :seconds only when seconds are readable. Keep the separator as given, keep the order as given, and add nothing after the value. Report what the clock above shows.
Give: 11:44
